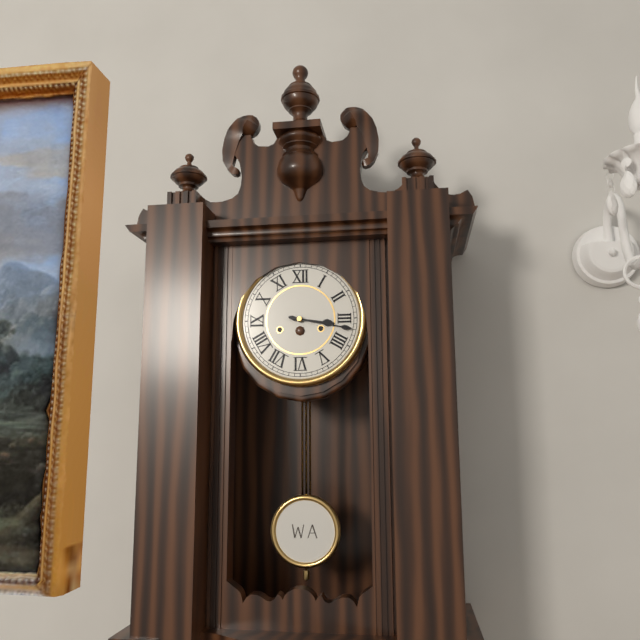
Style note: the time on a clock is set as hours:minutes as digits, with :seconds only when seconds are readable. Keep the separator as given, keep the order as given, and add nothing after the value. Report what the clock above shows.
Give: 3:17
